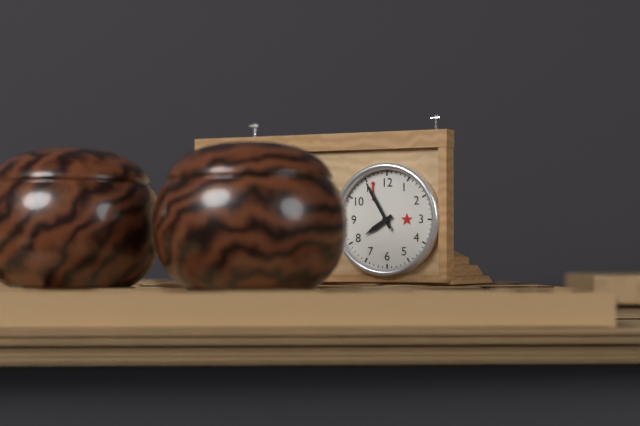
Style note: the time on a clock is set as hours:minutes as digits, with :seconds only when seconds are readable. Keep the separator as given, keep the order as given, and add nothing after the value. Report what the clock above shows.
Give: 7:55
